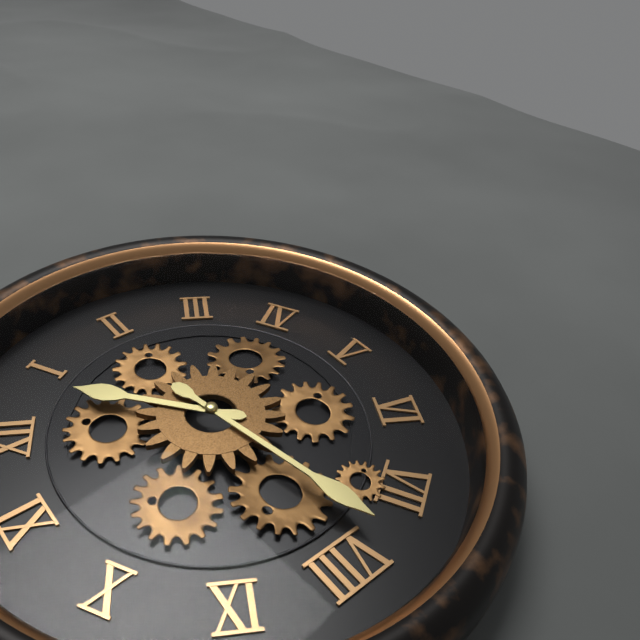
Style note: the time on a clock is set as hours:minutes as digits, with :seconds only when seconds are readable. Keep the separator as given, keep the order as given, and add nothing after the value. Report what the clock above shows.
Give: 12:38
